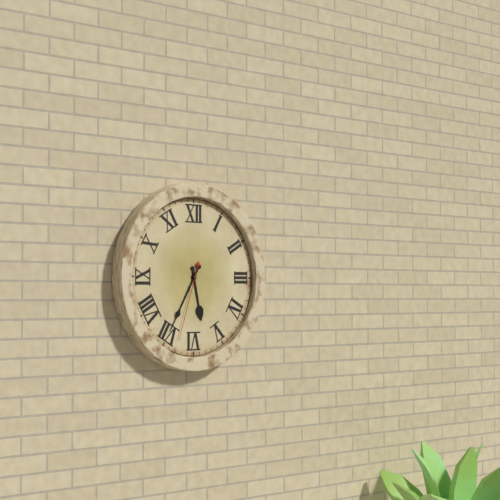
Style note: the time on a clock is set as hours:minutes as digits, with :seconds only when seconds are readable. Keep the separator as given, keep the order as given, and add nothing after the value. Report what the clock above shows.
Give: 5:35:33
